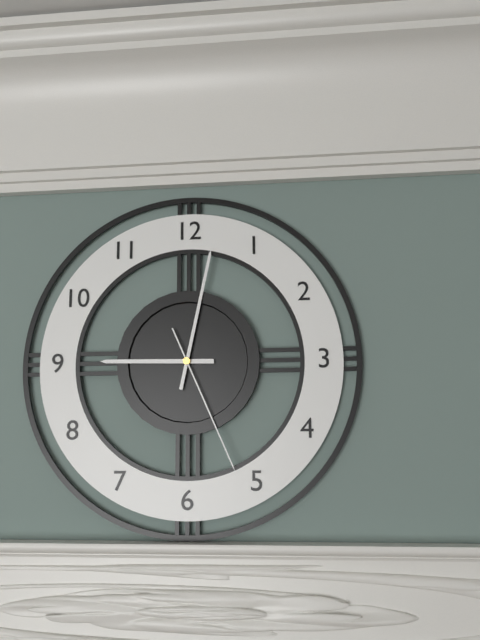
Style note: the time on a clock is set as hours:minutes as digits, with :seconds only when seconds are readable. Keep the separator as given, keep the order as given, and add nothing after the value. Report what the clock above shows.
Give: 9:02:26
